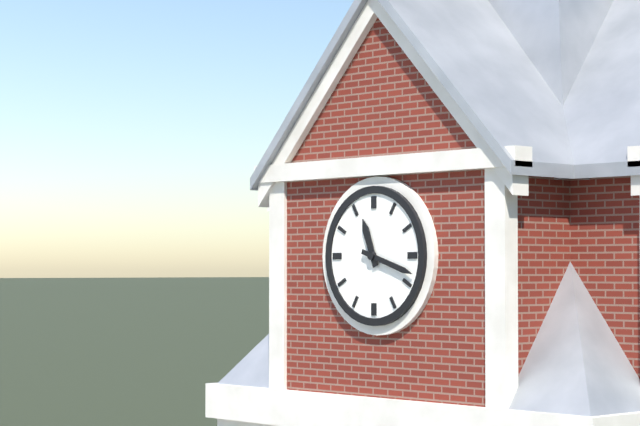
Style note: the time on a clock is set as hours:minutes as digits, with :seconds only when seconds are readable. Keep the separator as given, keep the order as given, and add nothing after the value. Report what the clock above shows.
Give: 11:18
